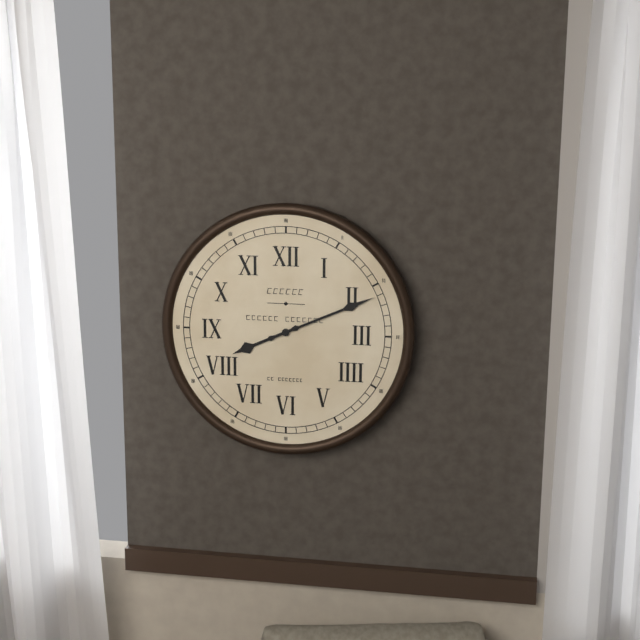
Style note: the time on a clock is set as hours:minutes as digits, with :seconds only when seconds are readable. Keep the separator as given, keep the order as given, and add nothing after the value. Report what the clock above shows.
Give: 8:11
